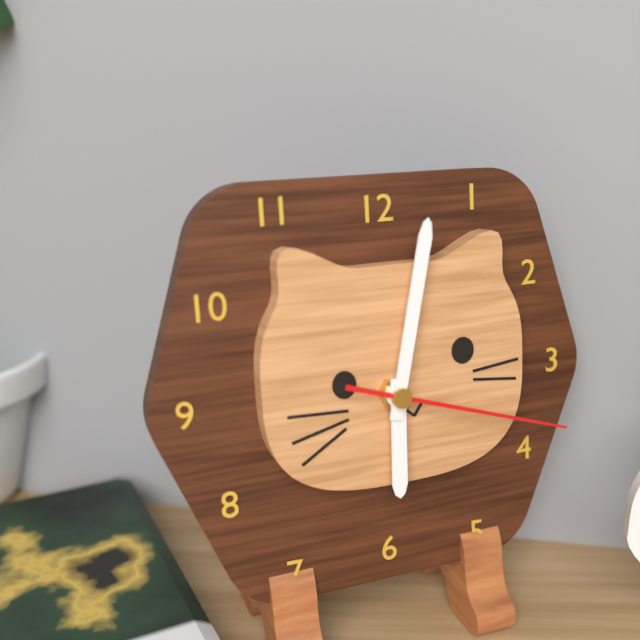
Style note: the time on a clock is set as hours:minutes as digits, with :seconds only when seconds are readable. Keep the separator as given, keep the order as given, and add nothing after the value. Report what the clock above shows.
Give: 6:02:18
